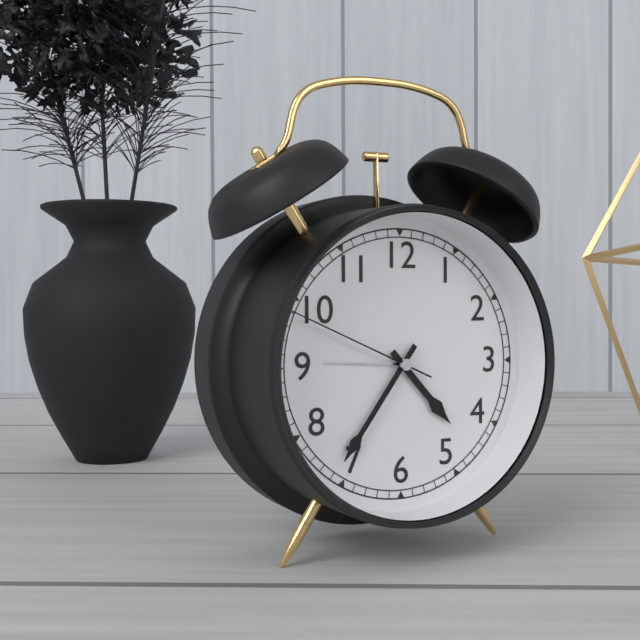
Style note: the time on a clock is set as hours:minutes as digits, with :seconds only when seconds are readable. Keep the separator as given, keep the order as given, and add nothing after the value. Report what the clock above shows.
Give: 4:36:49
